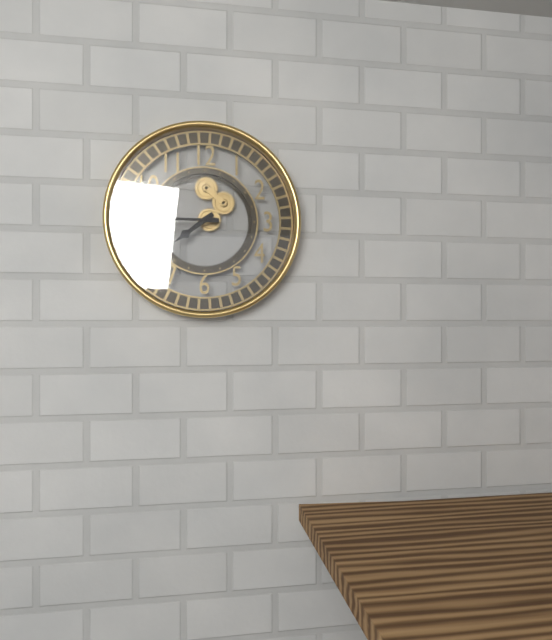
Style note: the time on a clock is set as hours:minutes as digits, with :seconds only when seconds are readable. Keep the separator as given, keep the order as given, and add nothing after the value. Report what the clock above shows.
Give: 7:45
